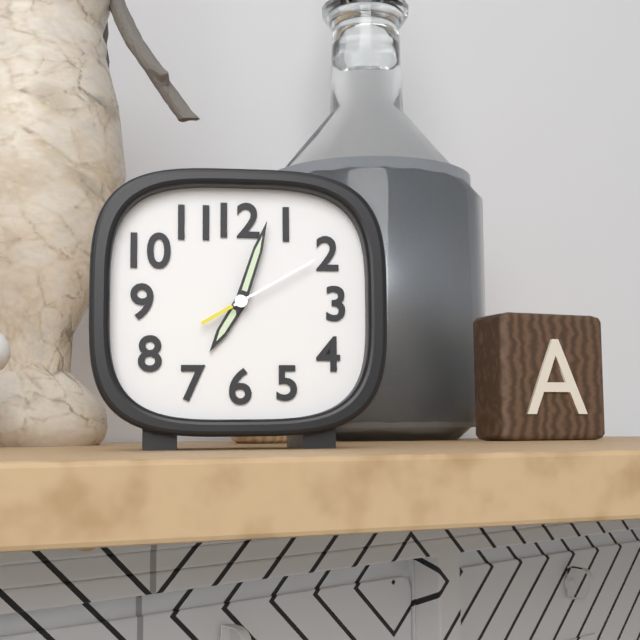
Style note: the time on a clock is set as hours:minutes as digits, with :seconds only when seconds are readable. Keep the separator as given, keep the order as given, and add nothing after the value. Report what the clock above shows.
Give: 7:03:10
